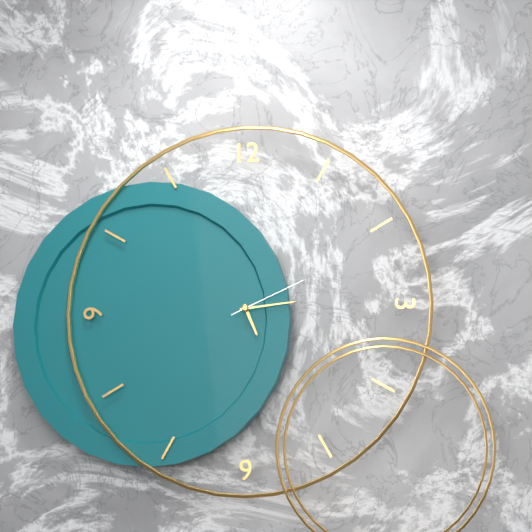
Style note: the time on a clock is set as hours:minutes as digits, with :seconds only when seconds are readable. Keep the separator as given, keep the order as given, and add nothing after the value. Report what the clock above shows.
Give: 5:14:11
